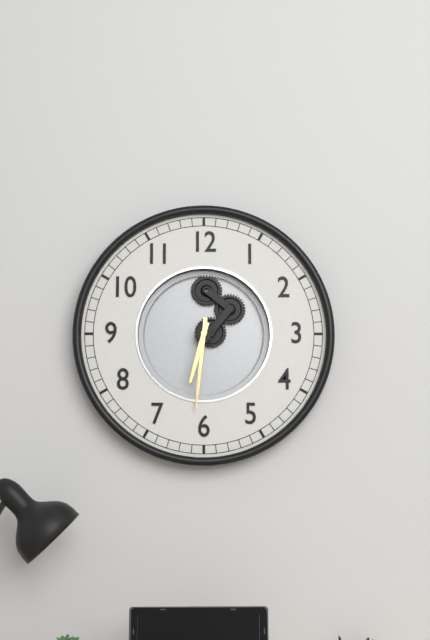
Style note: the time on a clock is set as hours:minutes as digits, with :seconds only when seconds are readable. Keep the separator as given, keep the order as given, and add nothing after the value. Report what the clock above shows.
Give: 6:31
